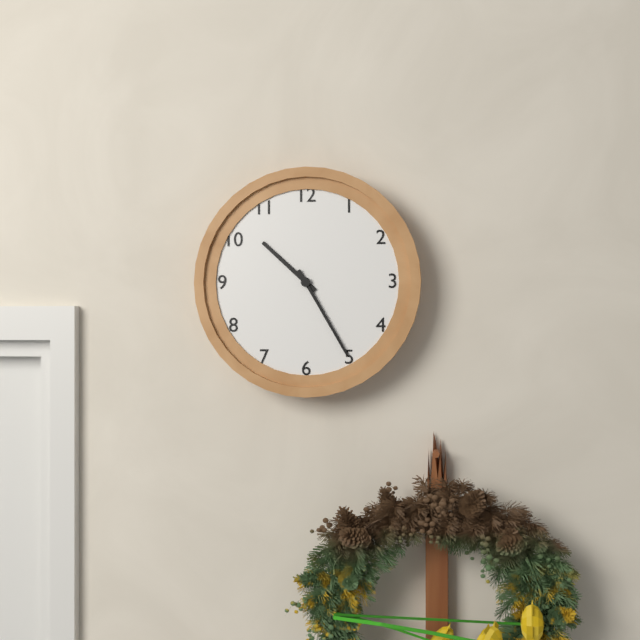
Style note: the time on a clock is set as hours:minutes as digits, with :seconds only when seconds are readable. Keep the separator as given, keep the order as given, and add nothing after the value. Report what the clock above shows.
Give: 10:25
